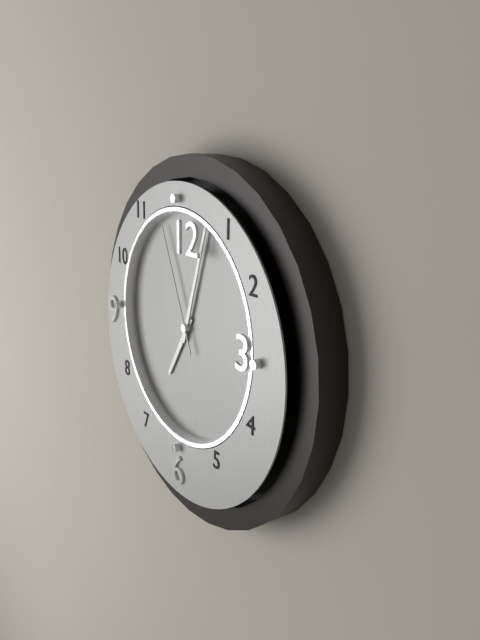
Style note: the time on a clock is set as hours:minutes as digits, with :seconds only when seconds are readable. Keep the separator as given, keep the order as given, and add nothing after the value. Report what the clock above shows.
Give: 7:03:56
